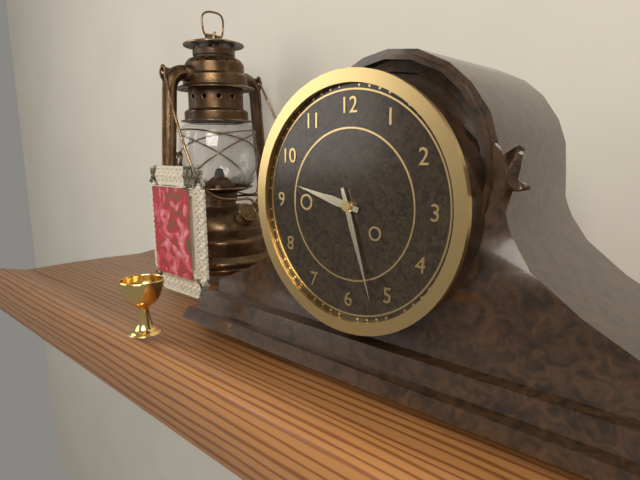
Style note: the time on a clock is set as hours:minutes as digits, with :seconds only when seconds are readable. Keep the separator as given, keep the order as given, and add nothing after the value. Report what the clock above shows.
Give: 9:27
